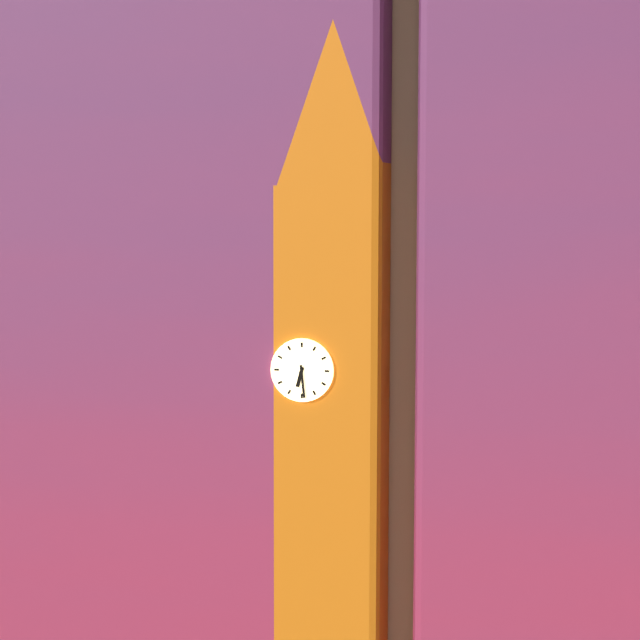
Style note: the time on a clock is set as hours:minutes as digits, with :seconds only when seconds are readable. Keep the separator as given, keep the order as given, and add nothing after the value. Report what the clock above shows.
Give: 6:29
